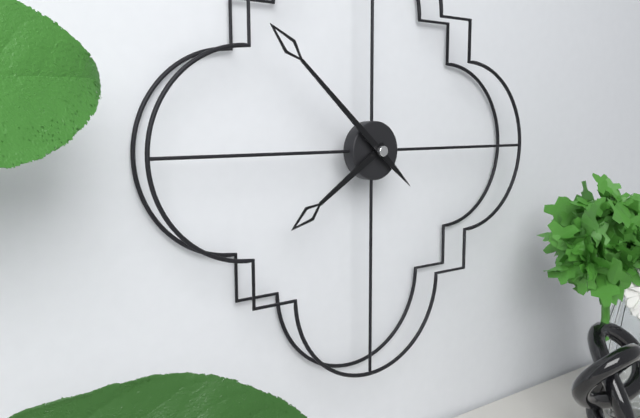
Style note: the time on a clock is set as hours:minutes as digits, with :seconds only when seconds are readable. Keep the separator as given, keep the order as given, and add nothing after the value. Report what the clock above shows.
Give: 7:52
